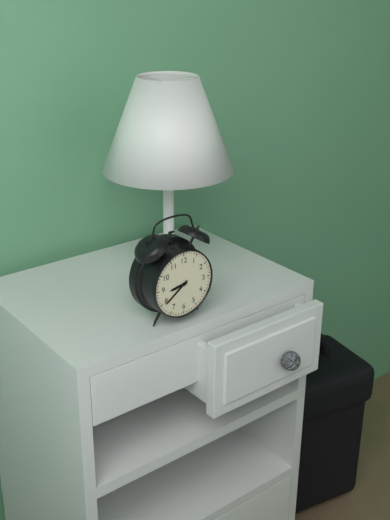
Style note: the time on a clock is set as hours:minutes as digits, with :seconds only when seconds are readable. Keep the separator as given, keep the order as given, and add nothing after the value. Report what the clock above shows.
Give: 8:39
